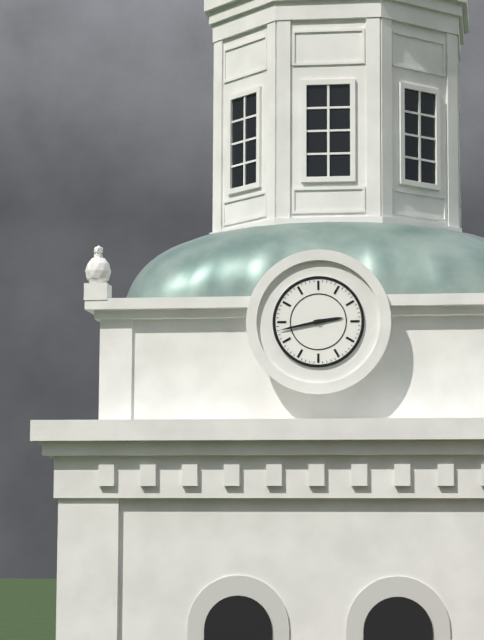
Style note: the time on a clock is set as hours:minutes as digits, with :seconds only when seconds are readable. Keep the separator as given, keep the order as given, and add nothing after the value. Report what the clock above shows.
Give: 2:43
